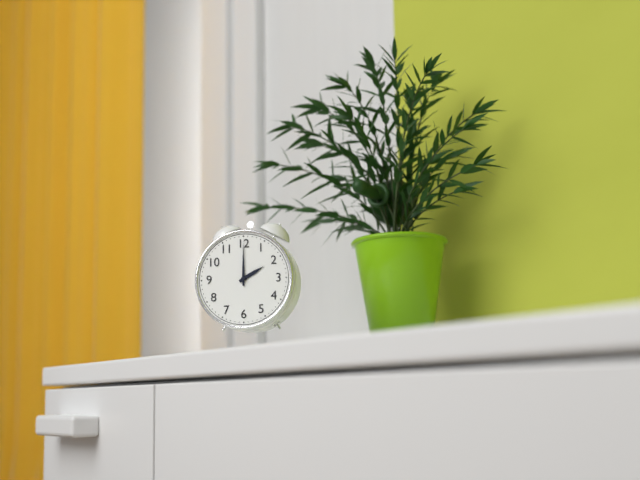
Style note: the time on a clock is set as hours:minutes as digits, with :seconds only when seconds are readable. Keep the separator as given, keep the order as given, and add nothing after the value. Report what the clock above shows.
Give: 2:00
